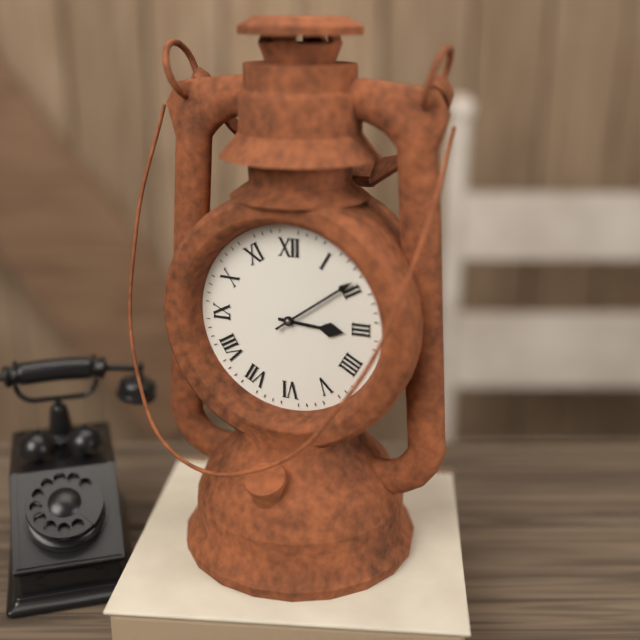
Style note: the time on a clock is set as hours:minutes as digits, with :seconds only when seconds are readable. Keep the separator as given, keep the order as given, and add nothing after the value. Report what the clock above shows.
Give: 3:09
